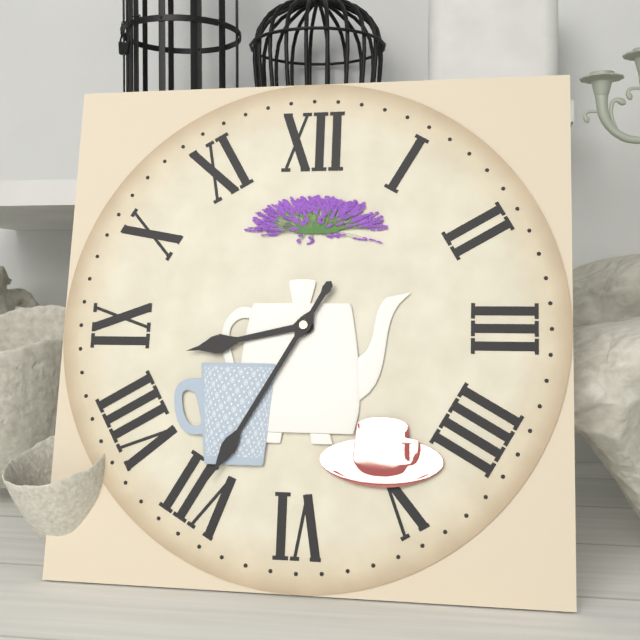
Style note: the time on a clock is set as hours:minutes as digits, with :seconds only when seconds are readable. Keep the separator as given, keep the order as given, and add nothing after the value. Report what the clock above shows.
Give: 8:35
